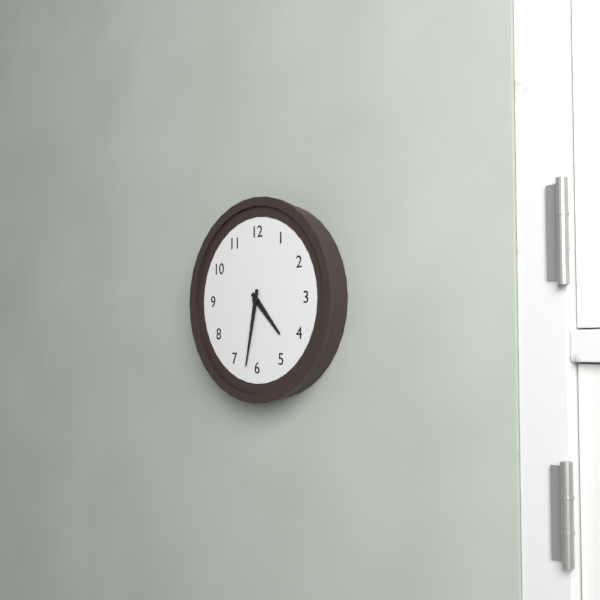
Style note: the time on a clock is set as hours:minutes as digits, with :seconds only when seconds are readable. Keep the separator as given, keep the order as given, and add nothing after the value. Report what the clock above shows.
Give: 4:32
